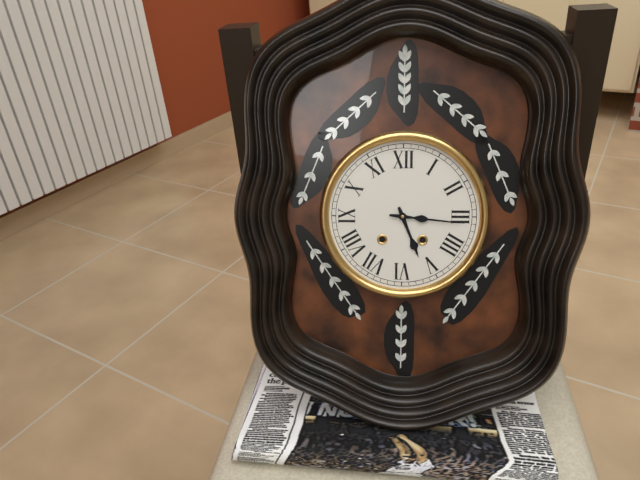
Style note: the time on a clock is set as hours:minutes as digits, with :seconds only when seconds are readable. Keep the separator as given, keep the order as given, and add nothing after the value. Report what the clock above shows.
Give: 5:16
